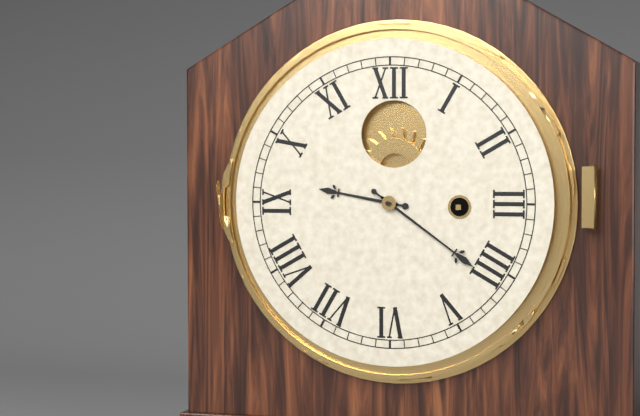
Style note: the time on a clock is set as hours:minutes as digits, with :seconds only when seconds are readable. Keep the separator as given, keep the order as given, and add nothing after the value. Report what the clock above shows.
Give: 9:21
